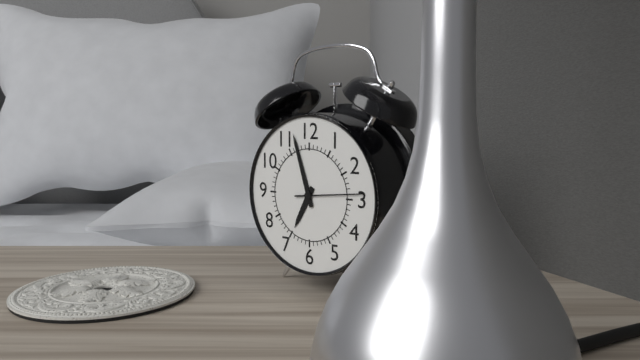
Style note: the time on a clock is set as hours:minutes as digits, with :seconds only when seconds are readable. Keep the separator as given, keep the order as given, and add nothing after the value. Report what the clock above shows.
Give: 6:57
